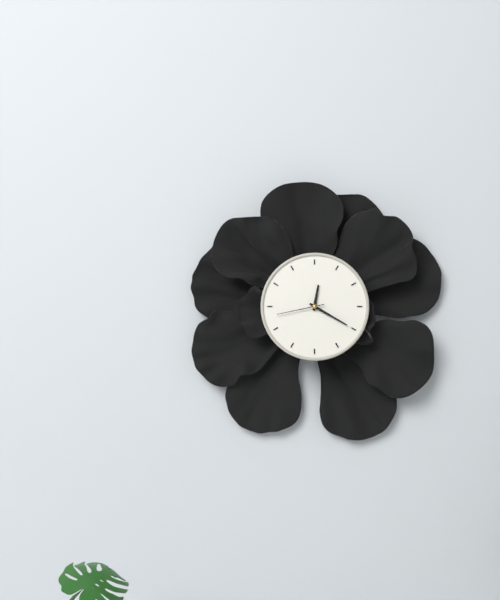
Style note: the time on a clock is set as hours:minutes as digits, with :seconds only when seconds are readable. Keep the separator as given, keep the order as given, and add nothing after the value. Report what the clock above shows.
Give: 12:20
